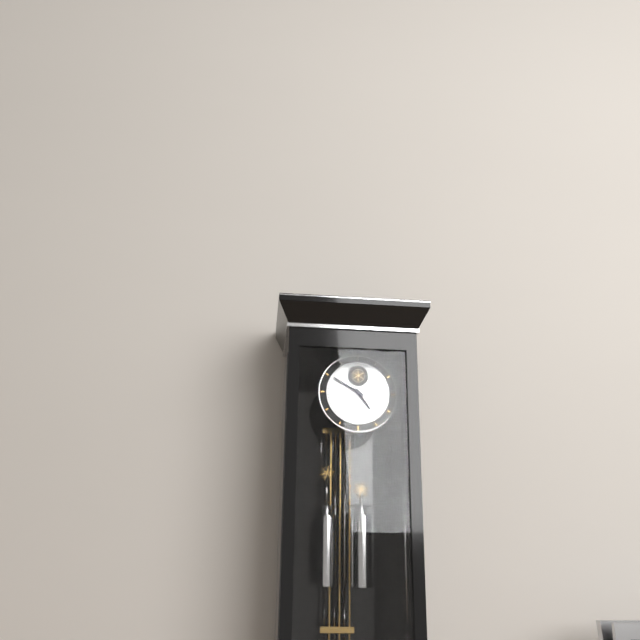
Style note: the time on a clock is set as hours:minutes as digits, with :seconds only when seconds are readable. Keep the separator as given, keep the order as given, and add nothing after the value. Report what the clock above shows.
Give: 4:50
